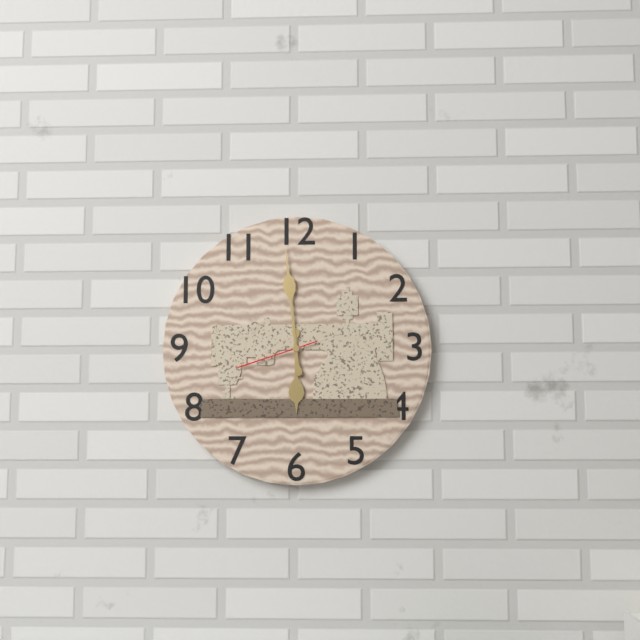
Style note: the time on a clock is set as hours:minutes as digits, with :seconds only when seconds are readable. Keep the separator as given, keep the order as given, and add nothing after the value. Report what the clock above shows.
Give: 5:59:42
